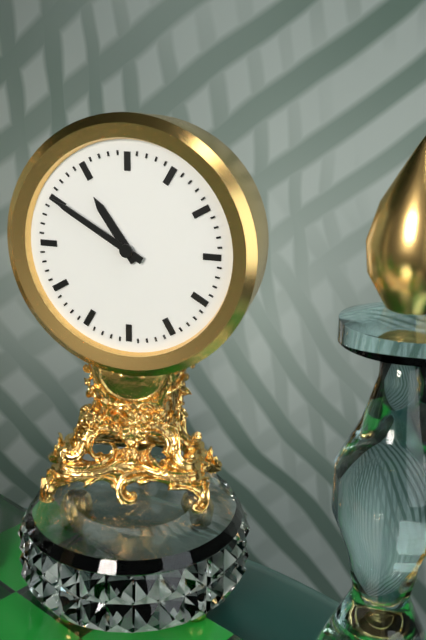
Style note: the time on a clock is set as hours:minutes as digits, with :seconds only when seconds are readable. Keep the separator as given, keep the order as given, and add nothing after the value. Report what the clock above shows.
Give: 10:50
